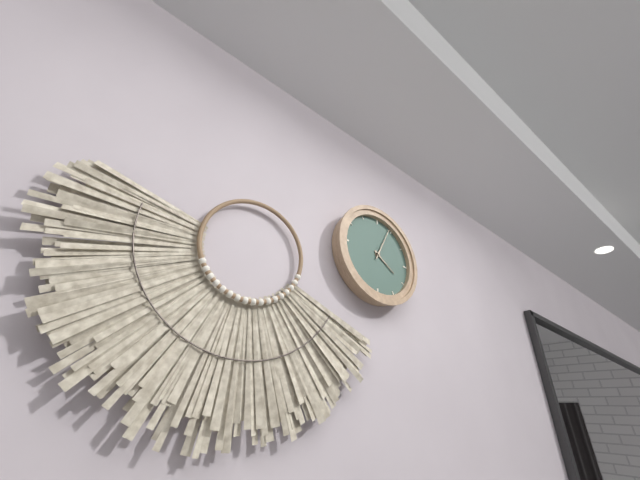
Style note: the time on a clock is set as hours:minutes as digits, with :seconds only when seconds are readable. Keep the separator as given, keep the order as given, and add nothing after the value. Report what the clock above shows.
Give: 4:04
